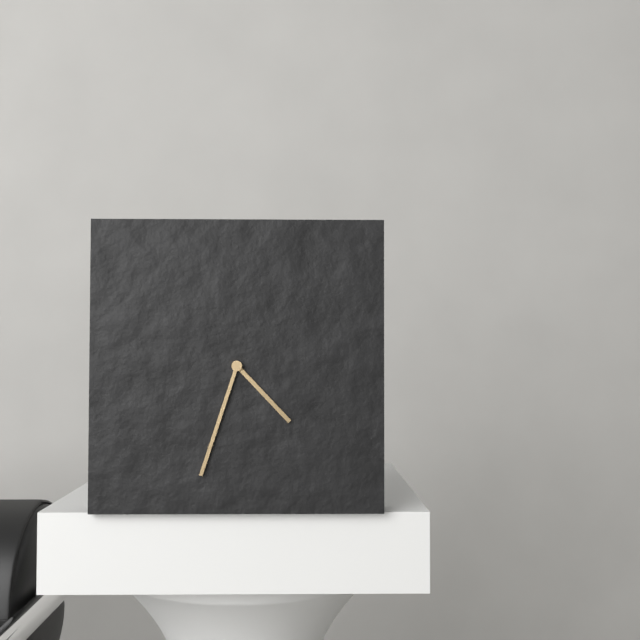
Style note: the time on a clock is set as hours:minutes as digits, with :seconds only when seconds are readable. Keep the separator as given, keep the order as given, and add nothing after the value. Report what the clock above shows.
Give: 4:33
